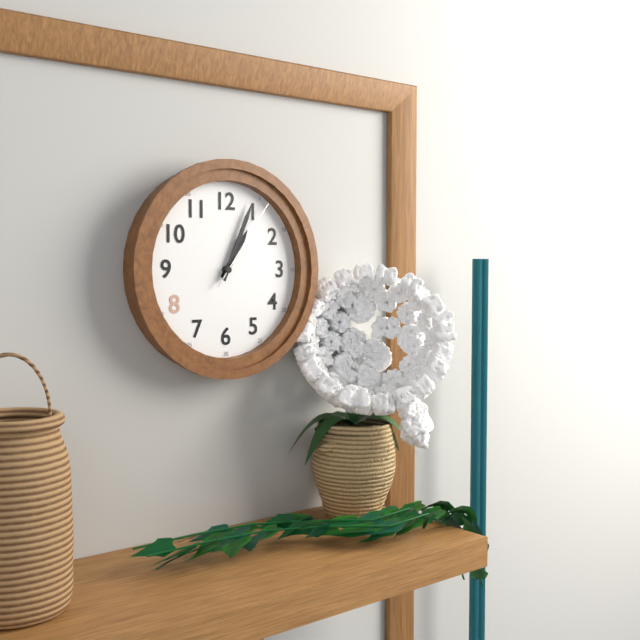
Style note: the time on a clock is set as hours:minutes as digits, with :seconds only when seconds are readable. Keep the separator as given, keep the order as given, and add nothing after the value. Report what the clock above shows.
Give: 1:04:06
